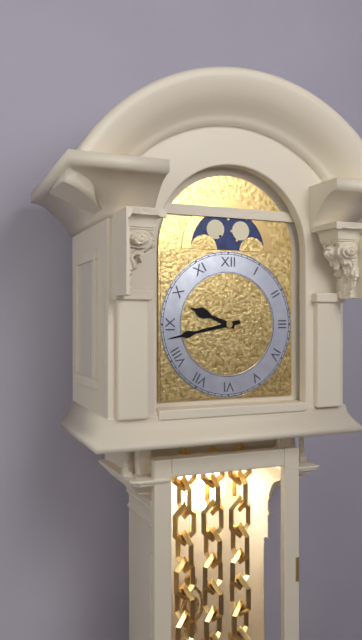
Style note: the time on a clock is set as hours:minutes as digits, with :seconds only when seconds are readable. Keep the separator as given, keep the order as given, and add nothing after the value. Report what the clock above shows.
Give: 9:43
